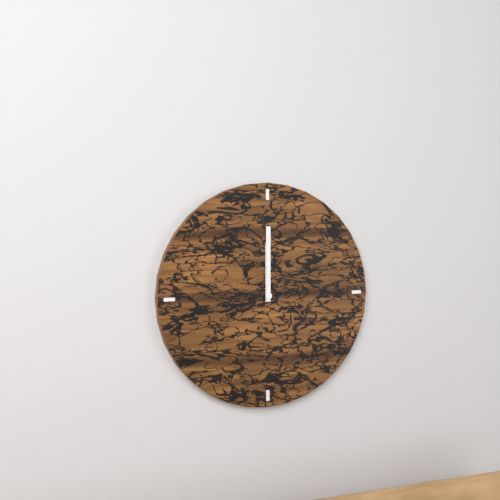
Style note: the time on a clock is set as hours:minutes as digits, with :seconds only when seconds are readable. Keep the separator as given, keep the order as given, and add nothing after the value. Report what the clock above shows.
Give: 12:00
